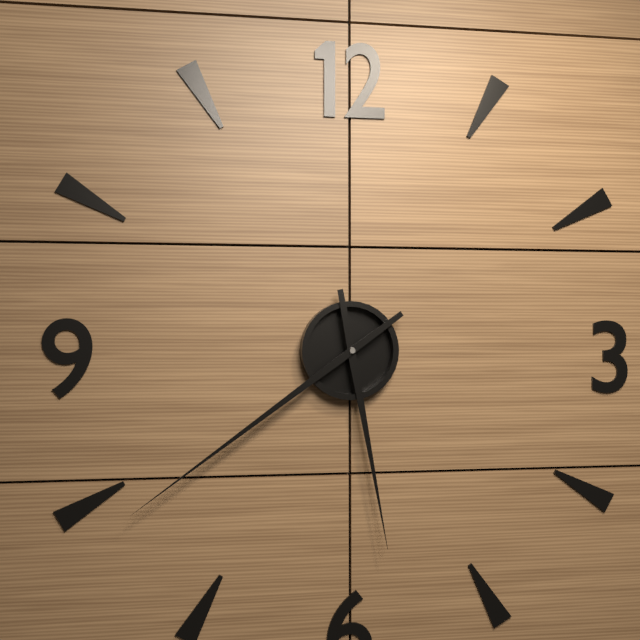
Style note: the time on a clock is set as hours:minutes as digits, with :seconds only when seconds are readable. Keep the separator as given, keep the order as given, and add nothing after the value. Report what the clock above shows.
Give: 5:39
